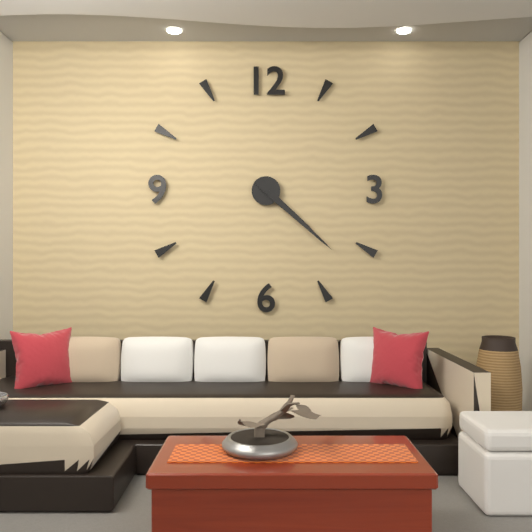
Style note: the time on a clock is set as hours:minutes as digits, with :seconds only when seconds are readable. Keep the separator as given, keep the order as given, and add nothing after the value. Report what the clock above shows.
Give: 4:22
